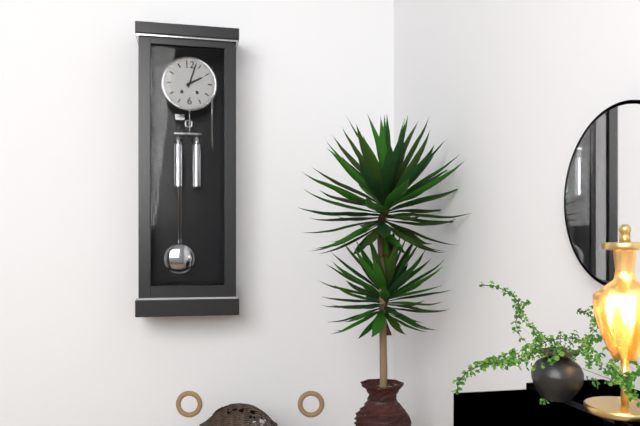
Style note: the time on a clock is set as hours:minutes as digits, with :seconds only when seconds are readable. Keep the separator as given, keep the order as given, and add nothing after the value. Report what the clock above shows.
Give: 2:03
